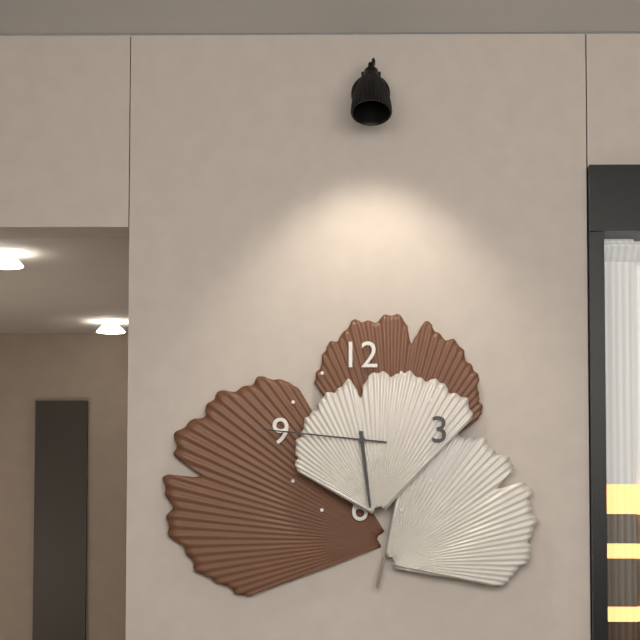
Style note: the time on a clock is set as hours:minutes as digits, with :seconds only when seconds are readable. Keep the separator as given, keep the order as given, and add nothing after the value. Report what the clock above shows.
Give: 5:46
